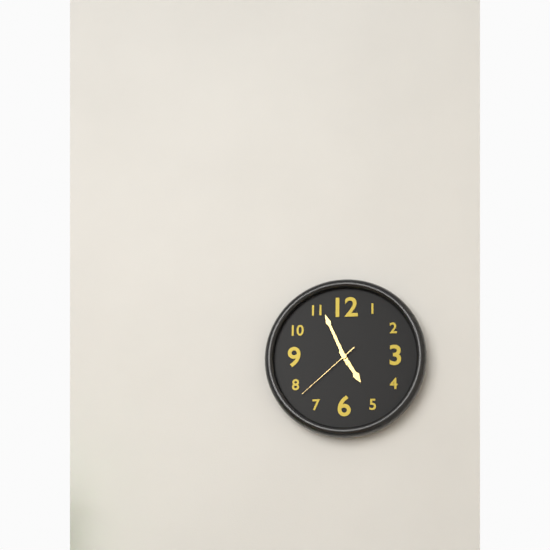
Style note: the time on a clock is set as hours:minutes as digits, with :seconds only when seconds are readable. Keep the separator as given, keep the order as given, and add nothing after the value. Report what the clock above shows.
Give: 4:56:38
